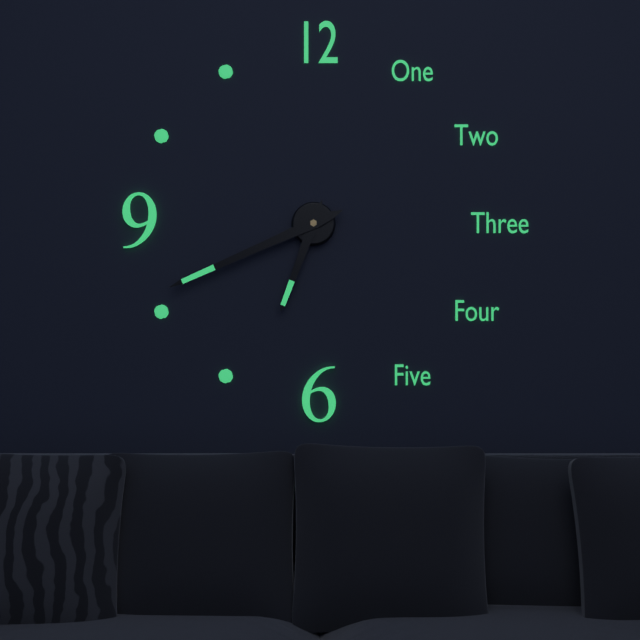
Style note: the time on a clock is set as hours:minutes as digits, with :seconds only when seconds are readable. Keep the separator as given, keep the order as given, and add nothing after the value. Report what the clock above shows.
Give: 6:41
